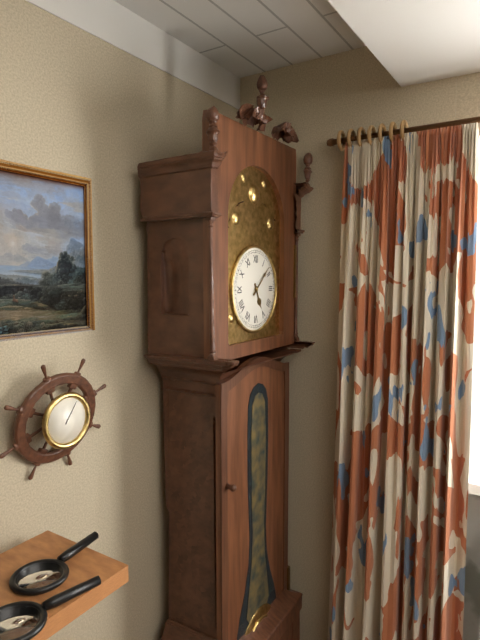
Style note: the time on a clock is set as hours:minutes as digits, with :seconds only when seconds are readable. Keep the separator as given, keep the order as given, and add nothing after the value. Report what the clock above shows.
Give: 5:08
